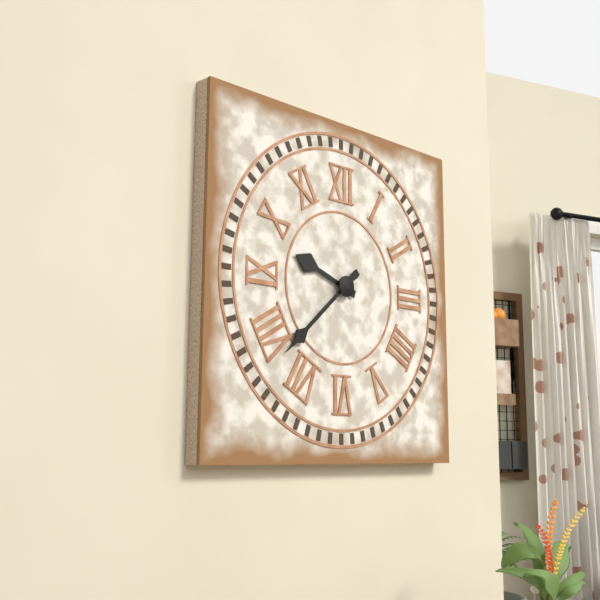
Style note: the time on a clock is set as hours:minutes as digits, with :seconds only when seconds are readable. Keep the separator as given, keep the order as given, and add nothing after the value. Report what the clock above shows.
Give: 9:38
